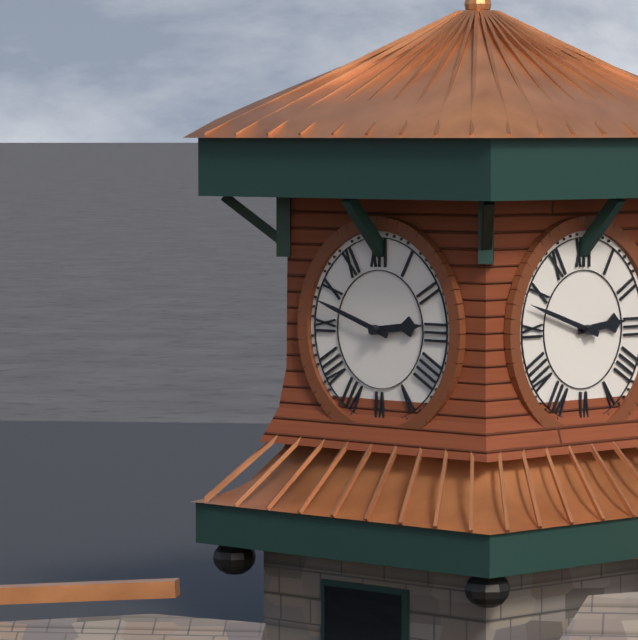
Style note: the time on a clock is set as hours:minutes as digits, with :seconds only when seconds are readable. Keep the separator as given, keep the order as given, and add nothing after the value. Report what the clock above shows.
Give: 2:48
